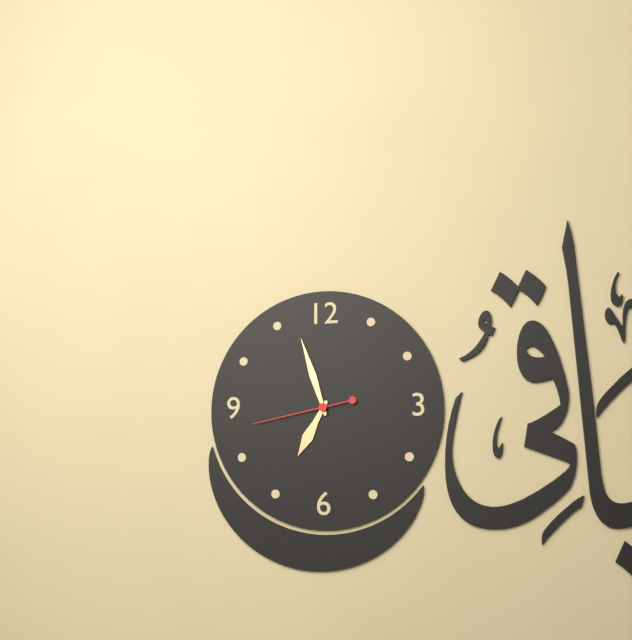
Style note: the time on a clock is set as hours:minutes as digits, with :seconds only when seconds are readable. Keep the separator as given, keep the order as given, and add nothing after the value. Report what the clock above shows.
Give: 6:57:43
